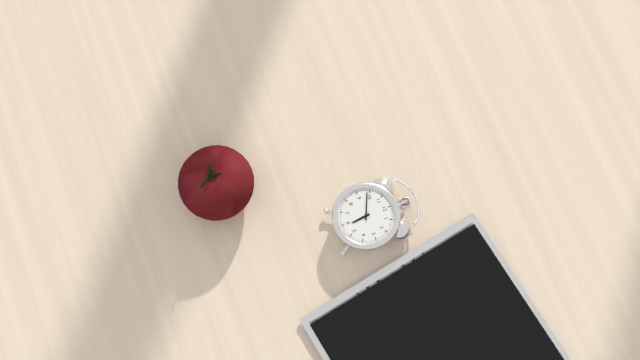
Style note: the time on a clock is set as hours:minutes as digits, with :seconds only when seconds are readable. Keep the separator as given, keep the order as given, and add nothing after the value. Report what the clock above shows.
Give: 5:49
